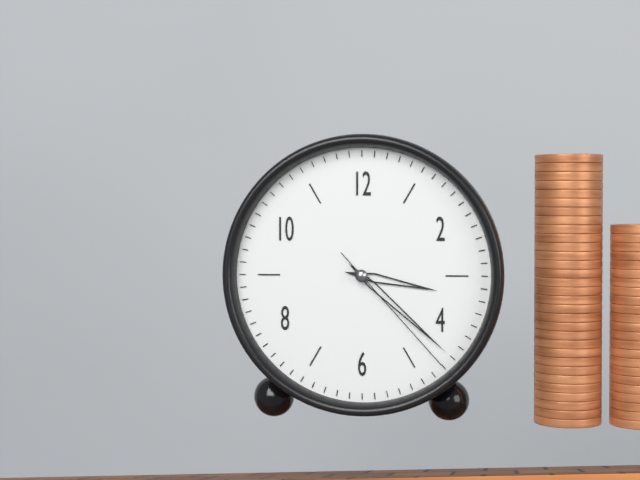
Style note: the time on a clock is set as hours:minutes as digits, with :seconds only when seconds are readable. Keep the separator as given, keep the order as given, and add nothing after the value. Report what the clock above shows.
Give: 3:22:23
